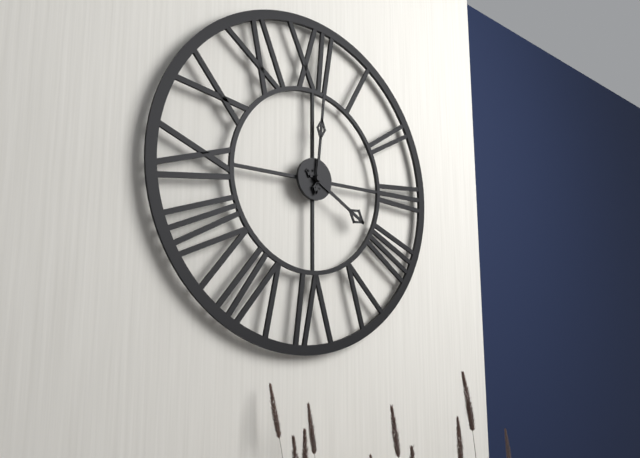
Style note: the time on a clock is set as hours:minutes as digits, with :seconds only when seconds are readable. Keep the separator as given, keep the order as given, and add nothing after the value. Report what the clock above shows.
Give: 4:01
